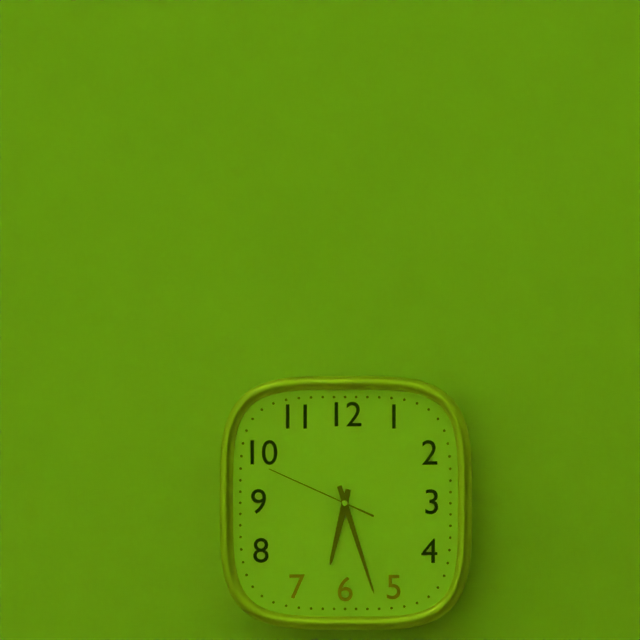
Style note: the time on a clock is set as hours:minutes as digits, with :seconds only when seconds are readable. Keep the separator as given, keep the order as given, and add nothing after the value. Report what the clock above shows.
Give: 6:27:49
